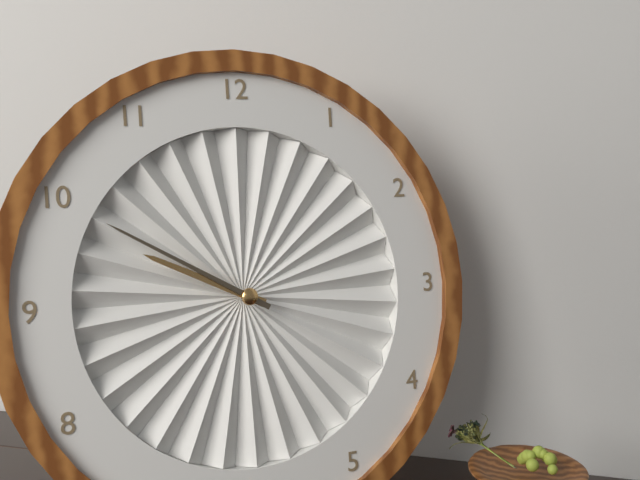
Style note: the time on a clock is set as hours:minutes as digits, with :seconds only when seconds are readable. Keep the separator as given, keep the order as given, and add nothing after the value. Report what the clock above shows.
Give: 9:50
